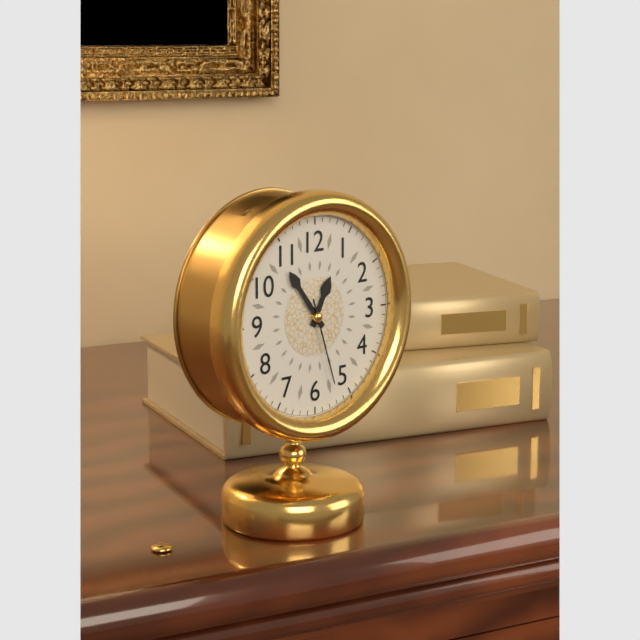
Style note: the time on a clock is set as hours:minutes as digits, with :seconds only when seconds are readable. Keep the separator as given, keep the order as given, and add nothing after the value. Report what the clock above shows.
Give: 12:54:27
